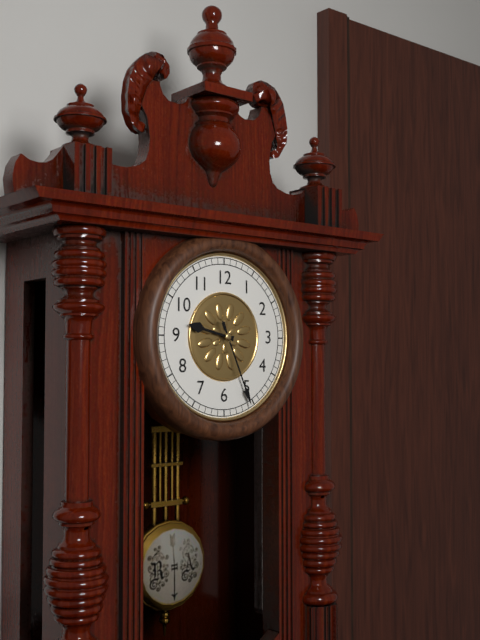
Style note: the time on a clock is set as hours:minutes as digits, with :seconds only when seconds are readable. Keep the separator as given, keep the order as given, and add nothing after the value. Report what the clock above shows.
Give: 9:26
